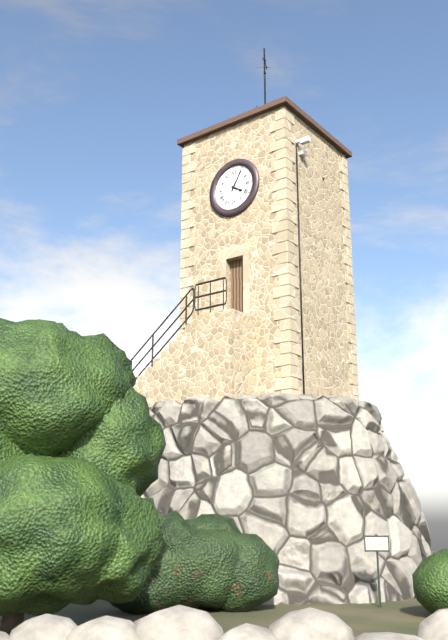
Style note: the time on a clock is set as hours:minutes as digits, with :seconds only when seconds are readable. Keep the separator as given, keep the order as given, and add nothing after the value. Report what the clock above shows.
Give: 4:05
